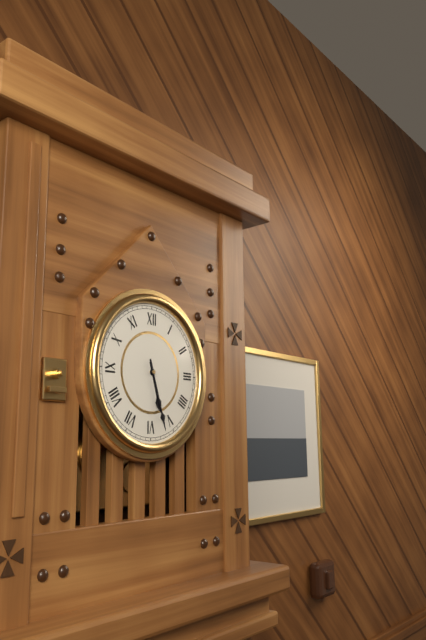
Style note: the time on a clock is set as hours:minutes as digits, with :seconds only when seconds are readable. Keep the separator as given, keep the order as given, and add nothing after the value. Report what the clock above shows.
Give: 5:27
